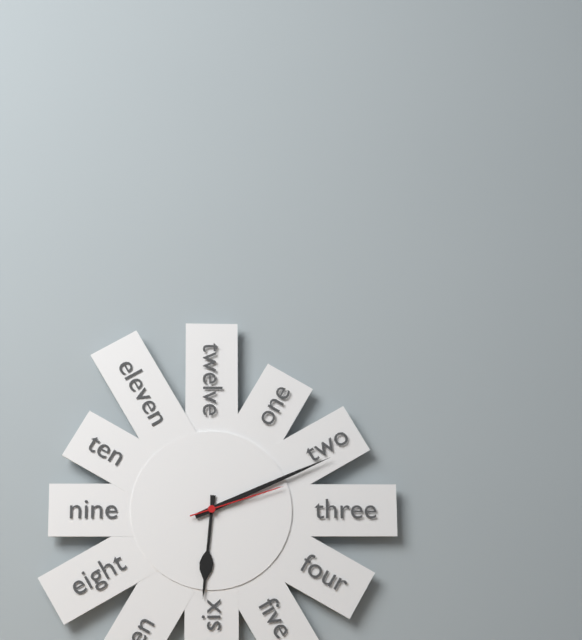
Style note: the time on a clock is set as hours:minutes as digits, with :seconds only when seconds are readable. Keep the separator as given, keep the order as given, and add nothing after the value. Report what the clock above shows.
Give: 6:11:12
